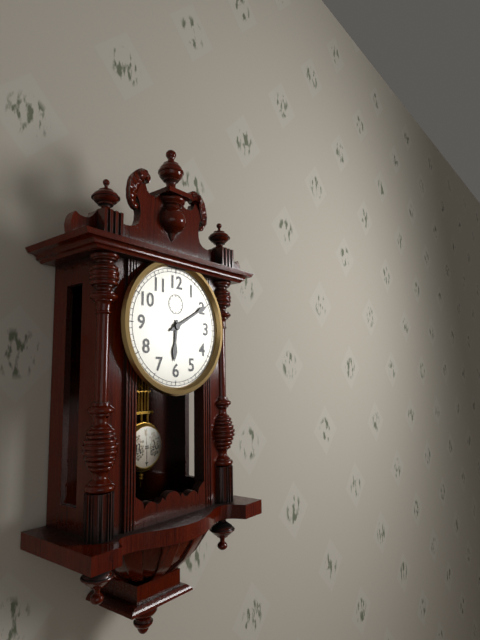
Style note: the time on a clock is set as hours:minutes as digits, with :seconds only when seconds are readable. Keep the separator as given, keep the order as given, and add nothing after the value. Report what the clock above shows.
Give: 6:10
